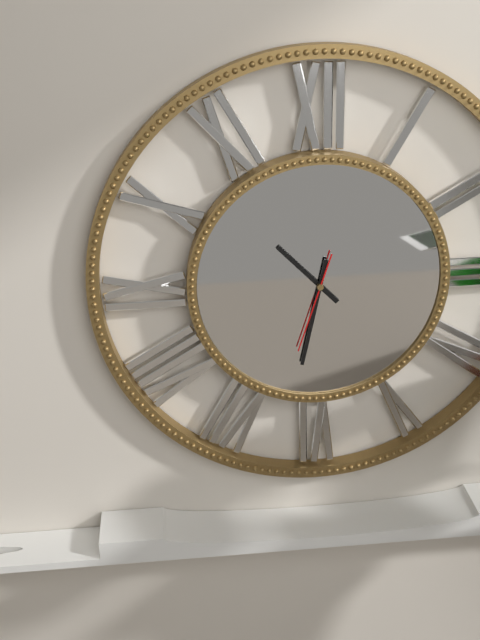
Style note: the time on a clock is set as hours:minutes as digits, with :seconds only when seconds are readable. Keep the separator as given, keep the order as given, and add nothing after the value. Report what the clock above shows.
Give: 10:32:33
